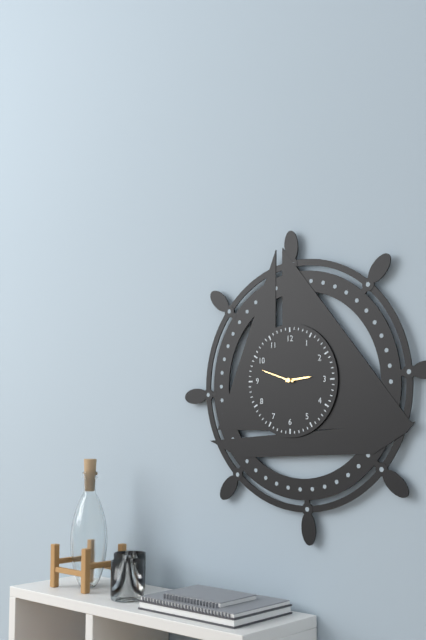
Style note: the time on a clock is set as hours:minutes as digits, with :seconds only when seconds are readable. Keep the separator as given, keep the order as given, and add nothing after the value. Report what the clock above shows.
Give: 2:48
